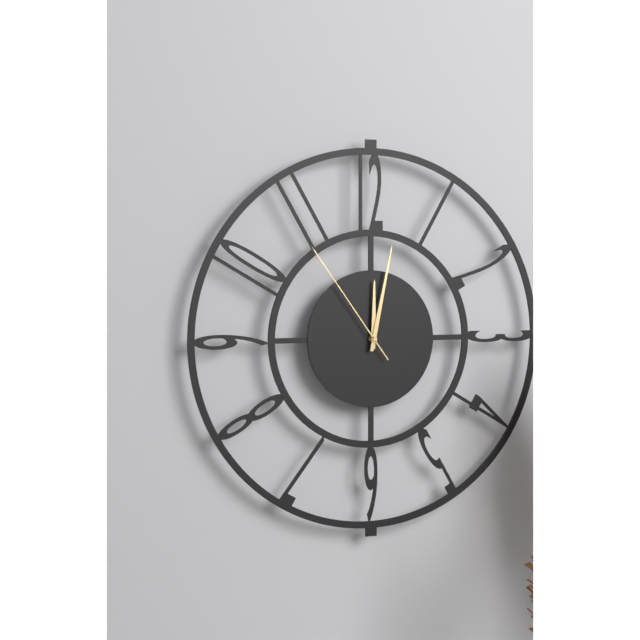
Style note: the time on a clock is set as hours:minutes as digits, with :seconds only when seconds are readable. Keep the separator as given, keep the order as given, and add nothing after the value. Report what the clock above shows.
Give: 12:02:54
